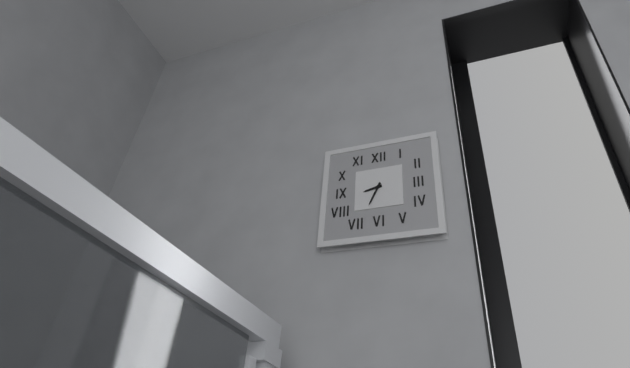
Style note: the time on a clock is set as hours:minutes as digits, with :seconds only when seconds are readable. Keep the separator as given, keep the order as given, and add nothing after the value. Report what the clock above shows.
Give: 8:34
